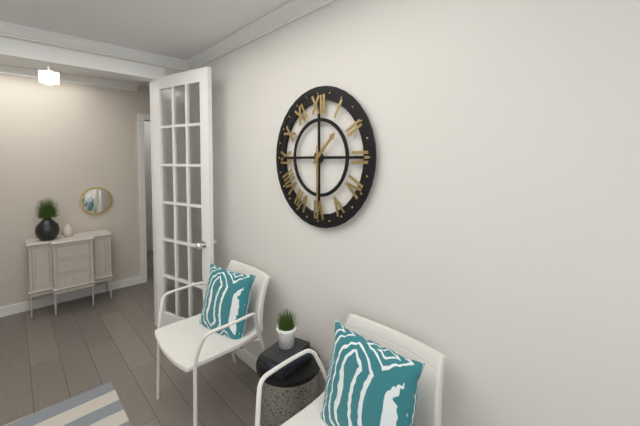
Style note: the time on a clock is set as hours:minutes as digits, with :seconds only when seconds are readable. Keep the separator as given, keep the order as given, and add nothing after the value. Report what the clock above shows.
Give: 1:30
